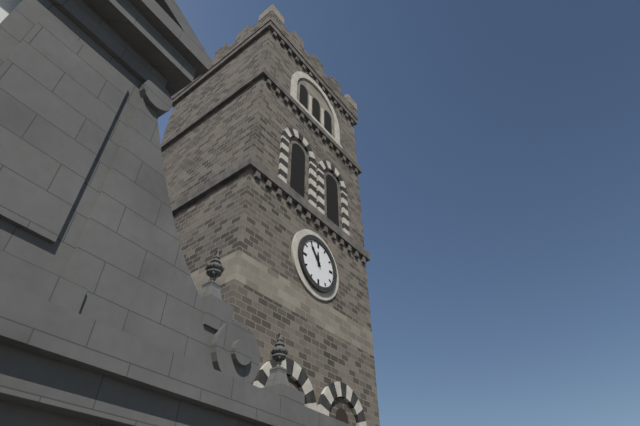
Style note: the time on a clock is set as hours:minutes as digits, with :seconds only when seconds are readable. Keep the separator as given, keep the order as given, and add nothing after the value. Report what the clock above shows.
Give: 11:54
